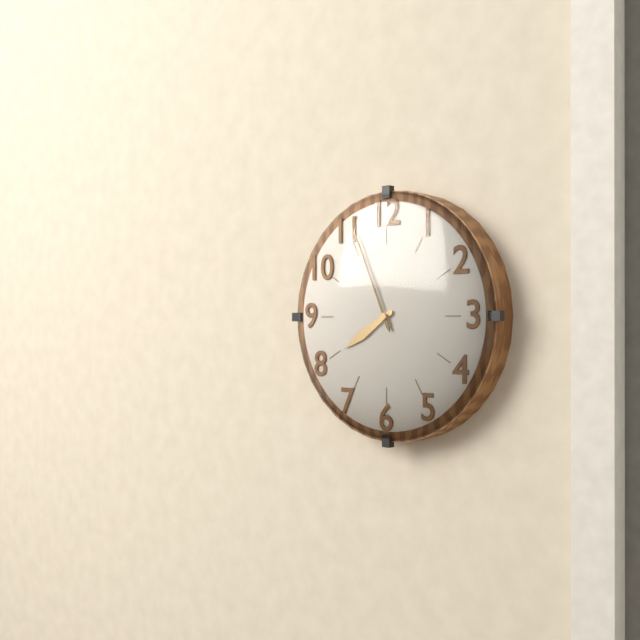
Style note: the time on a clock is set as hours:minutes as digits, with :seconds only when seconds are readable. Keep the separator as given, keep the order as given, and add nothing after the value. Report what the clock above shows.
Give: 7:56
